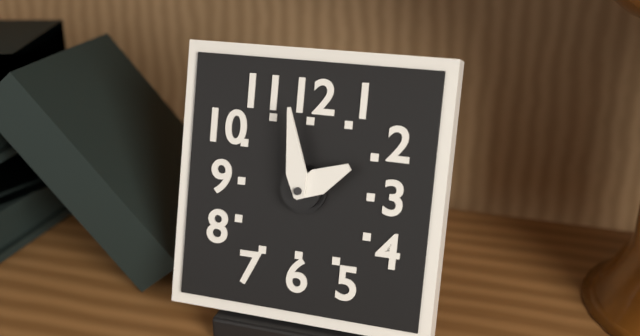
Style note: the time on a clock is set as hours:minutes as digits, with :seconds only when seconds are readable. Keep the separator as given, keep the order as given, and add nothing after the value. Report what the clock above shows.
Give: 1:58
